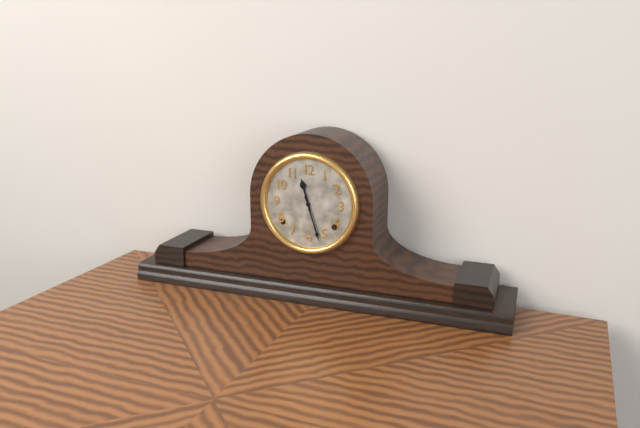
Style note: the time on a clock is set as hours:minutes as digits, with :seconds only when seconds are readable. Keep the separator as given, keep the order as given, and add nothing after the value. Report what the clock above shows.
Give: 11:27
